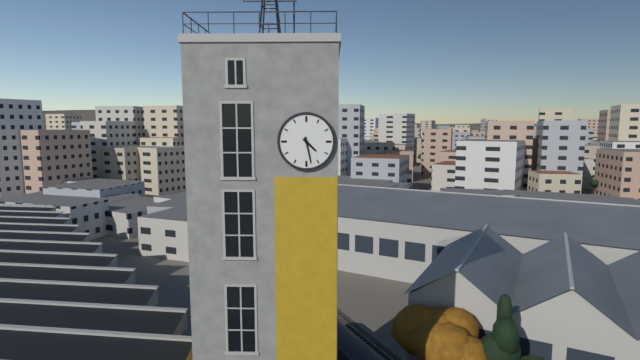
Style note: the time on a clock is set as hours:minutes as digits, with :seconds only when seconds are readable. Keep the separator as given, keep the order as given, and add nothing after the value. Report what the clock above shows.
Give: 4:28
